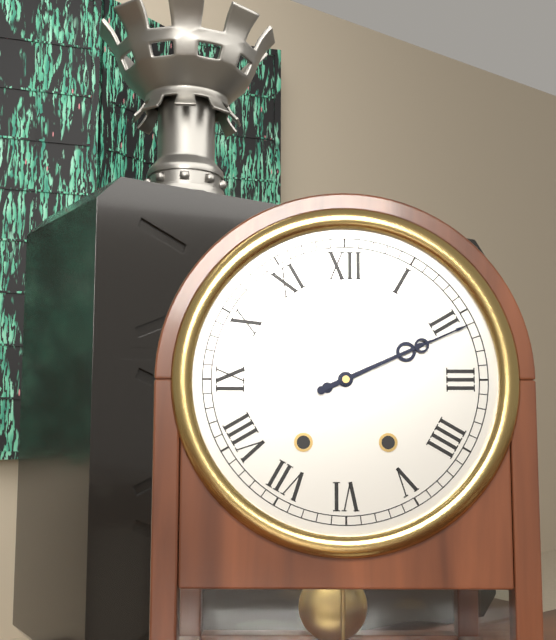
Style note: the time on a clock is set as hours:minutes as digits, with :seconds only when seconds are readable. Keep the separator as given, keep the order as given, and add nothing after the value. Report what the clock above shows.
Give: 2:11
